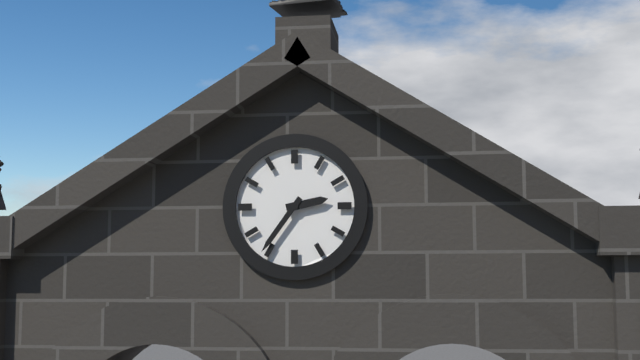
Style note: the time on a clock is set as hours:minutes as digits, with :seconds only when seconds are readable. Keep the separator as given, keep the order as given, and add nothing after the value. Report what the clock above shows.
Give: 2:36
